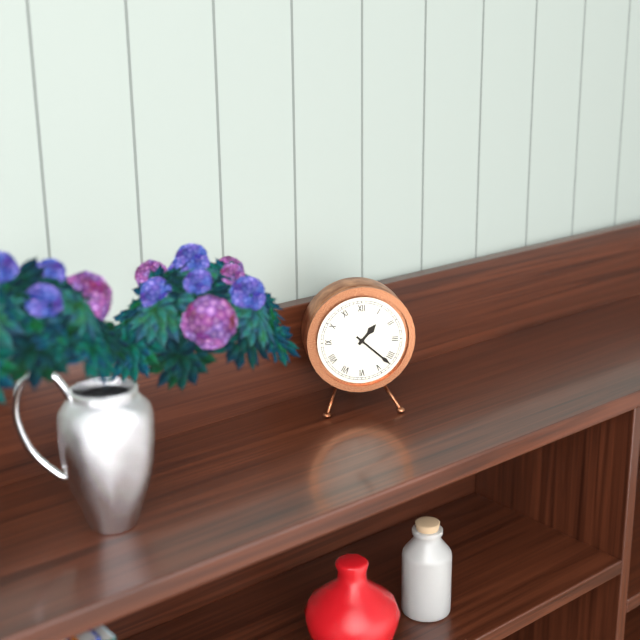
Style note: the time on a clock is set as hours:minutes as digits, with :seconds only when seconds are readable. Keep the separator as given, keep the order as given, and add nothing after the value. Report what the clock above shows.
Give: 1:22
